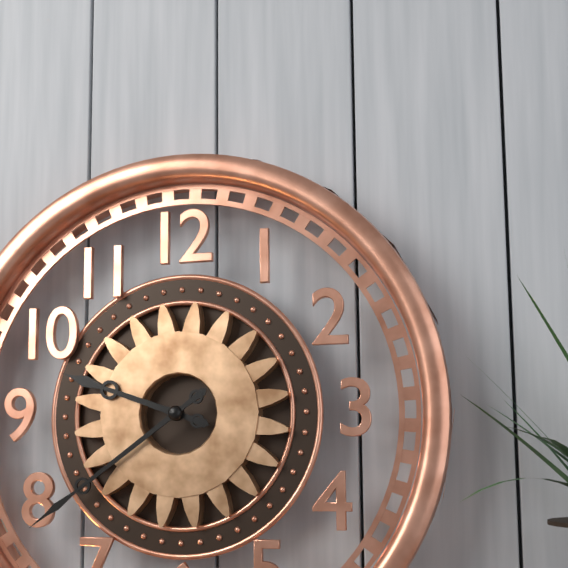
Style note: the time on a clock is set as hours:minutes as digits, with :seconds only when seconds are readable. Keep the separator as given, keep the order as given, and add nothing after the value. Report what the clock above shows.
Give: 9:39
